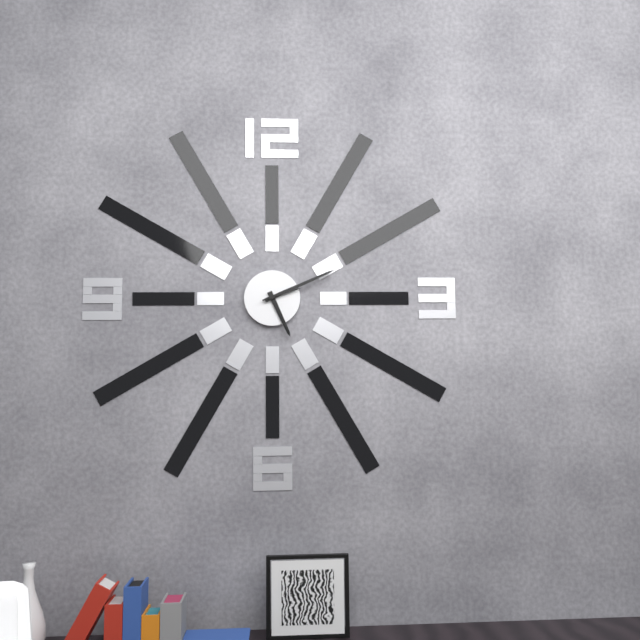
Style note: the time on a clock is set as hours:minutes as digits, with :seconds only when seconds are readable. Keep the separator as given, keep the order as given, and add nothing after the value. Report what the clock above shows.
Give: 5:11
